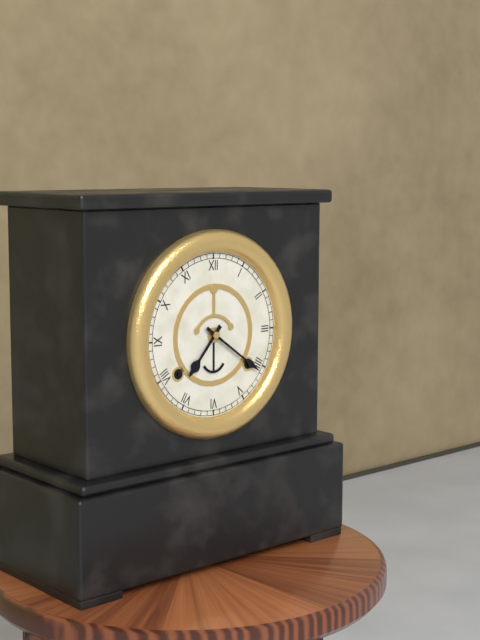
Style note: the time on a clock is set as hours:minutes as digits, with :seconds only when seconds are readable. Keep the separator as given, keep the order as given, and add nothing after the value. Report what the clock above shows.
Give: 7:21
